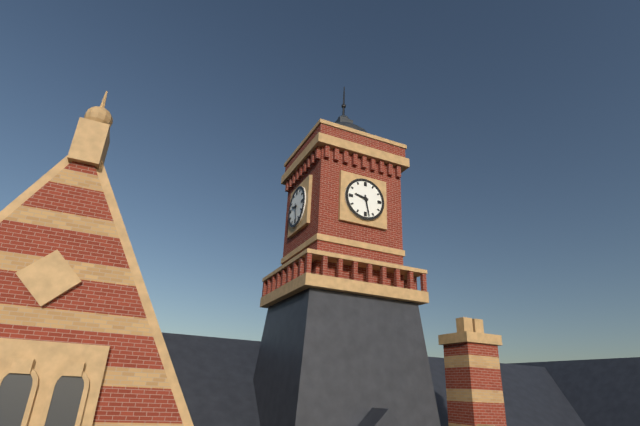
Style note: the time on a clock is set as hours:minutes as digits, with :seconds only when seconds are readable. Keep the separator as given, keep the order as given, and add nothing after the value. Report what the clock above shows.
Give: 9:28
